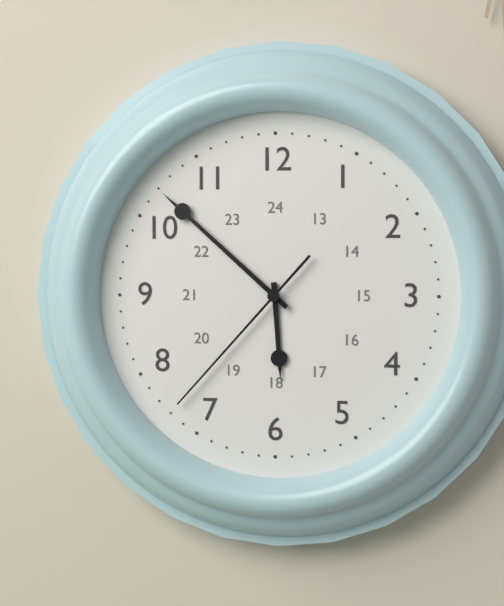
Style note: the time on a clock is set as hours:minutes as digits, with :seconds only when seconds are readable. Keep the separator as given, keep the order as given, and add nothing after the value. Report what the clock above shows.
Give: 5:52:37
